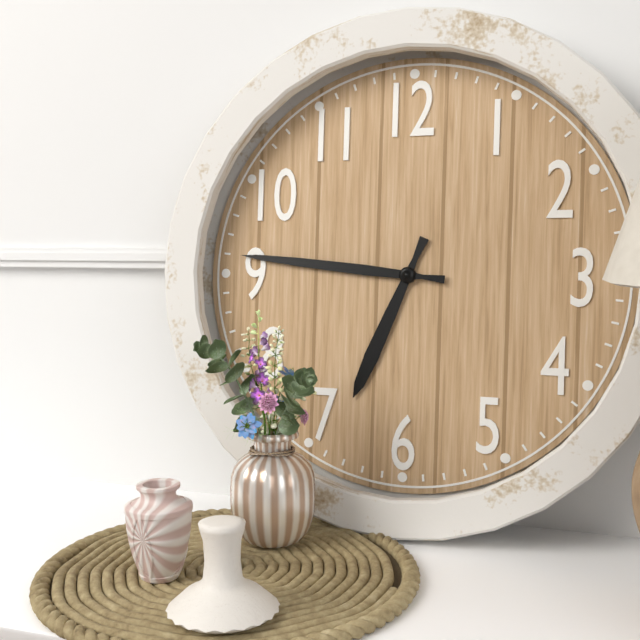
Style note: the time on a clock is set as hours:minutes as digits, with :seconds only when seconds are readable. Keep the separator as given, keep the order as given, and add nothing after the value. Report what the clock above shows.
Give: 6:46
